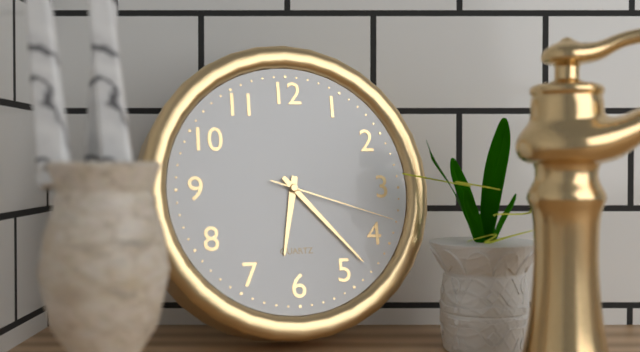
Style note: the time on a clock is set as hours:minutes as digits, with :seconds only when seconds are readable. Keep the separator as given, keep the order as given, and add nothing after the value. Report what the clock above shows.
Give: 6:23:18
